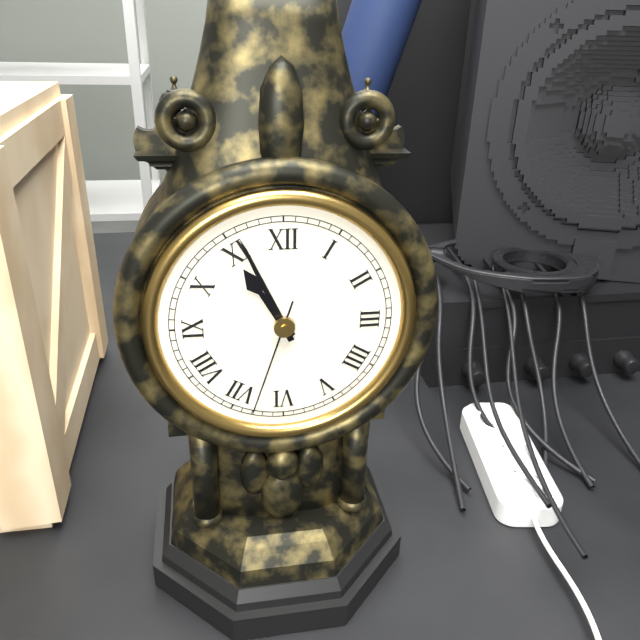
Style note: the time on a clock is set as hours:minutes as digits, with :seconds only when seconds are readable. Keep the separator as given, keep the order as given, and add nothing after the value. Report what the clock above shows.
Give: 10:56:33
